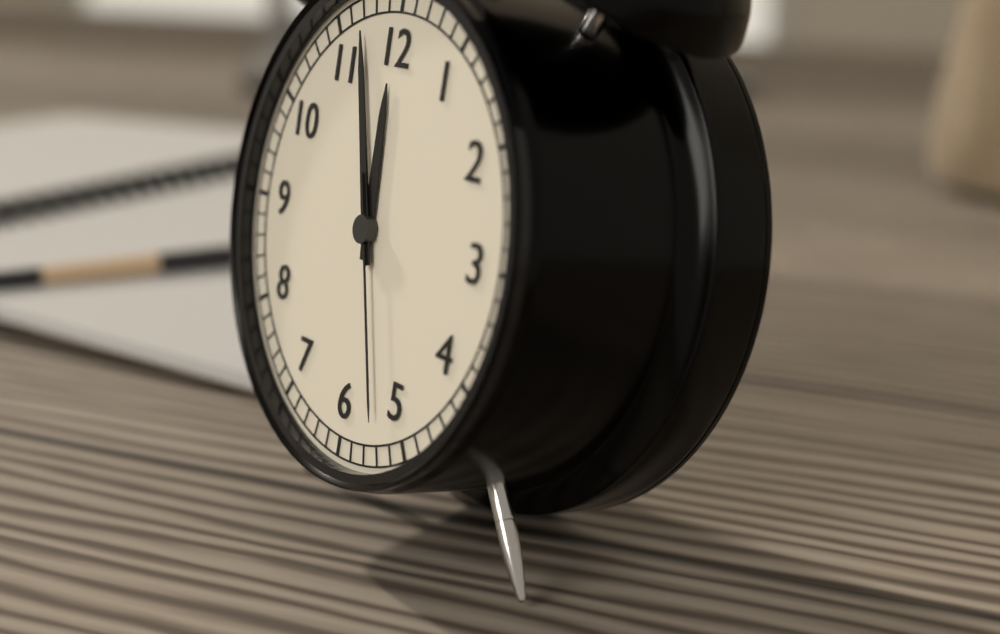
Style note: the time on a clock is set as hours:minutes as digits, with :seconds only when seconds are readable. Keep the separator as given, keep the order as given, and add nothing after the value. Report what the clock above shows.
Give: 11:57:27
